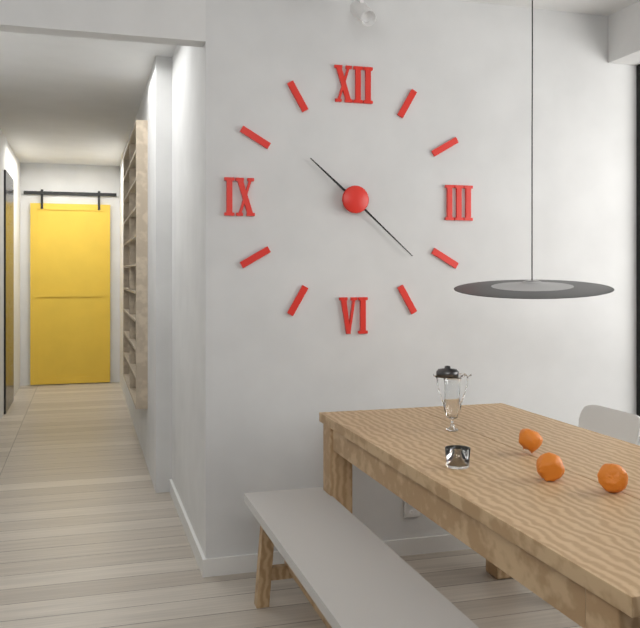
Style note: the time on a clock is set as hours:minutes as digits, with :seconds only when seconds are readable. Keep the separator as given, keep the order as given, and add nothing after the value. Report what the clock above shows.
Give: 10:22
